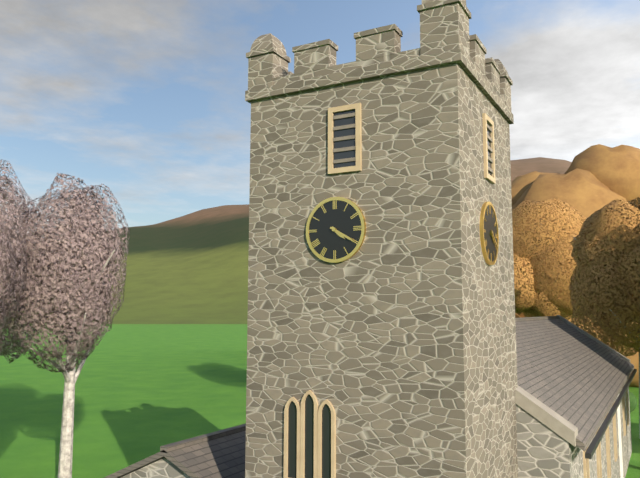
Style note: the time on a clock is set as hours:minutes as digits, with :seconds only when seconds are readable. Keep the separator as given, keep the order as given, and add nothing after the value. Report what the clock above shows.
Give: 4:20
